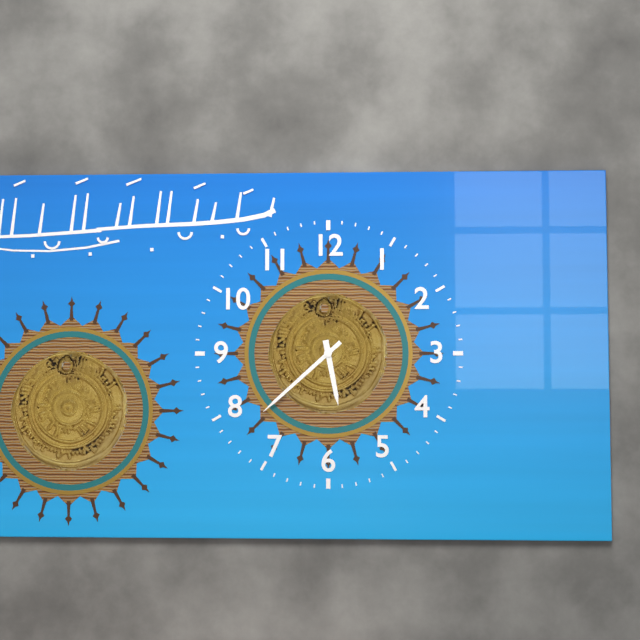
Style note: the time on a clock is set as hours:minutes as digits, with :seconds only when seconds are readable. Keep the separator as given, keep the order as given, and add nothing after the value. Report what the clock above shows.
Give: 5:38
